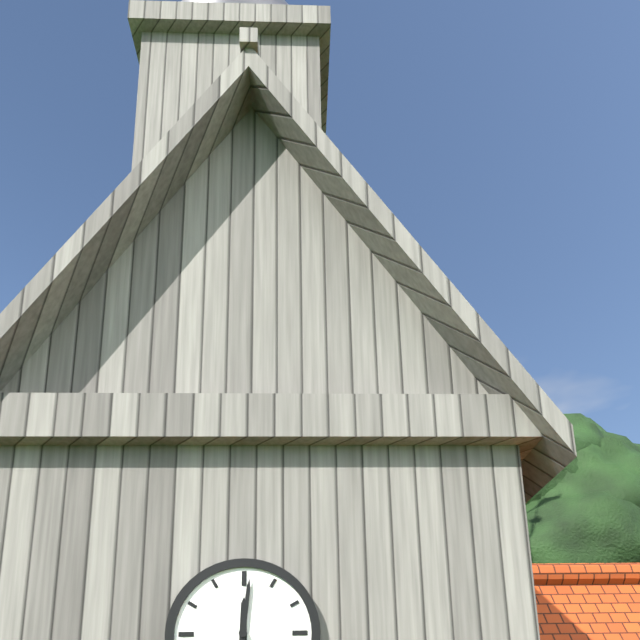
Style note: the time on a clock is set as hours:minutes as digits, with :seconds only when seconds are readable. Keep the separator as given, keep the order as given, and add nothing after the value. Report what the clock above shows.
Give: 12:01
